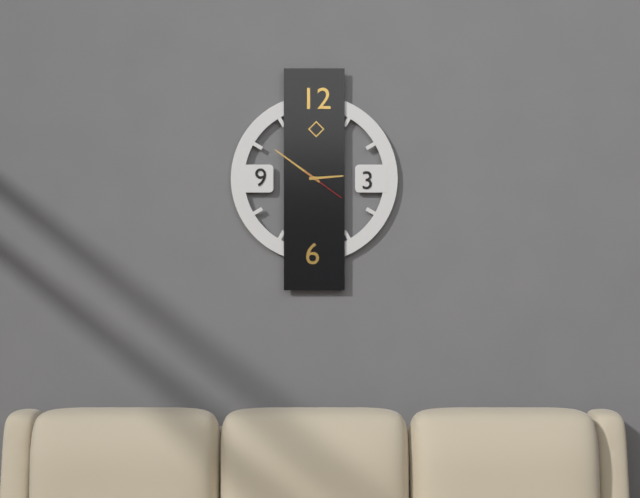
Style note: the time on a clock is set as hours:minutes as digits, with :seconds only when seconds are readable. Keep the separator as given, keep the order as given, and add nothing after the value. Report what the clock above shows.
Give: 2:51
